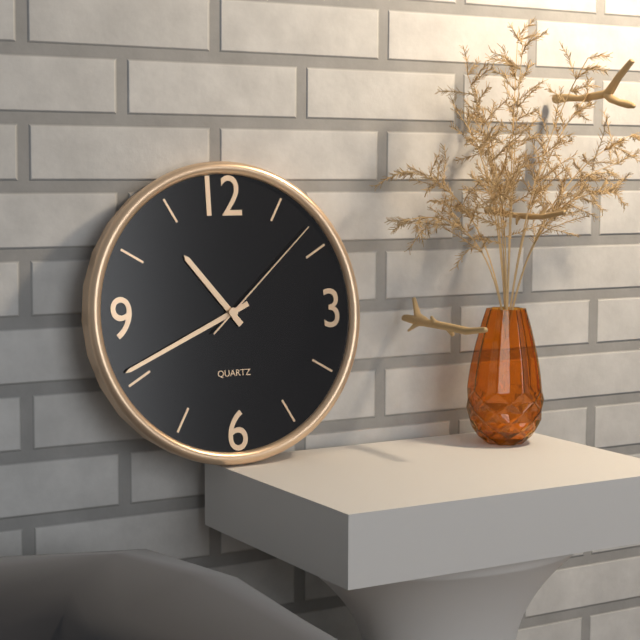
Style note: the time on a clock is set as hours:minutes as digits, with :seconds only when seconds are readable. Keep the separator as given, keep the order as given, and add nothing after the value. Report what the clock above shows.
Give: 10:41:08
